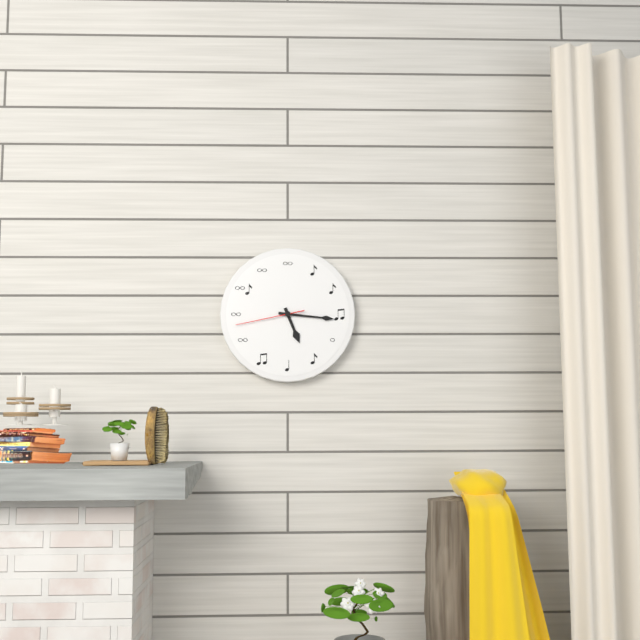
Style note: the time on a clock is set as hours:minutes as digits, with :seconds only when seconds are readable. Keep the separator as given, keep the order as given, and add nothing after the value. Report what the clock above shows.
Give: 5:16:43
